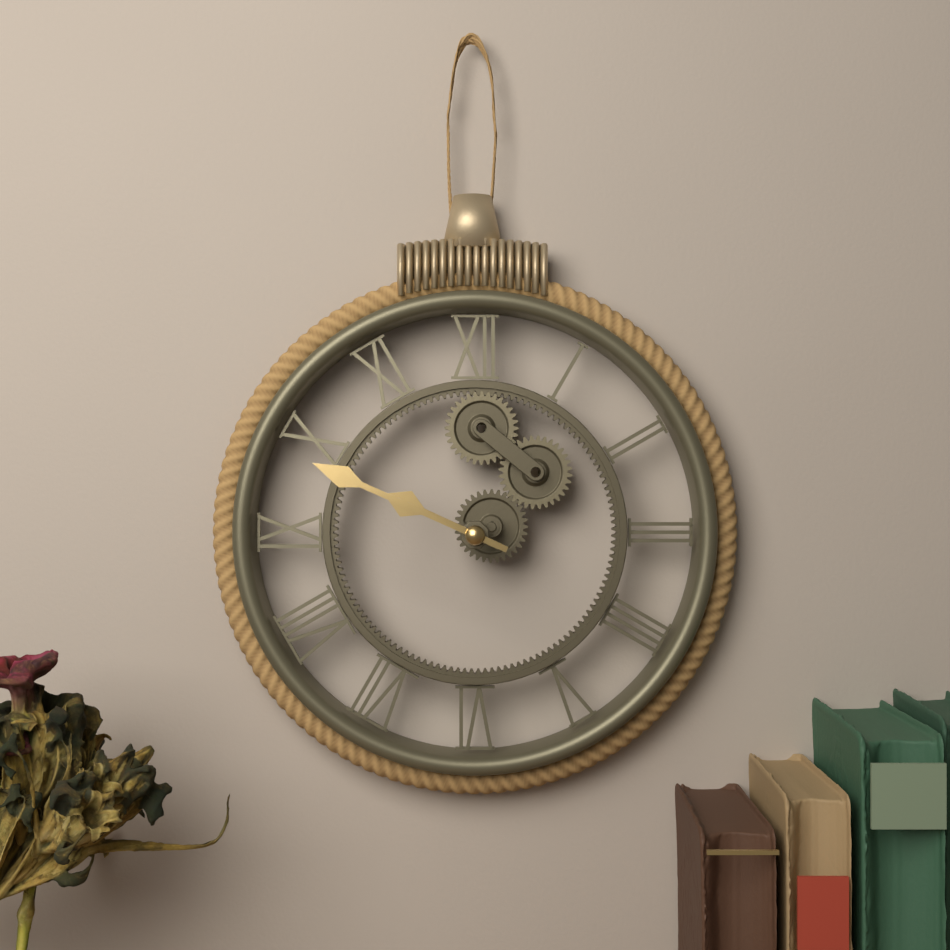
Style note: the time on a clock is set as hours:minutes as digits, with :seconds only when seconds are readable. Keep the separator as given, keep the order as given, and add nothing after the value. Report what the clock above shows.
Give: 9:49
